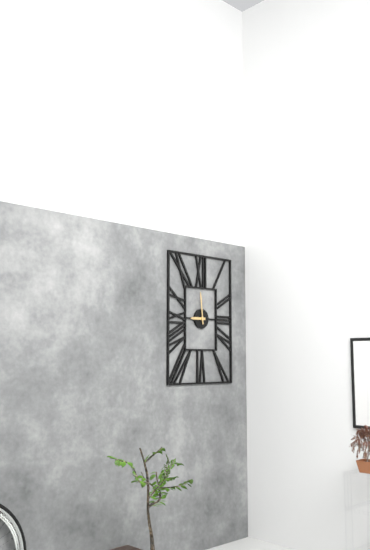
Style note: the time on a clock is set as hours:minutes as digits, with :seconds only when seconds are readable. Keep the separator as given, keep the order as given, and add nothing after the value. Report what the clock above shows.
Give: 8:59
